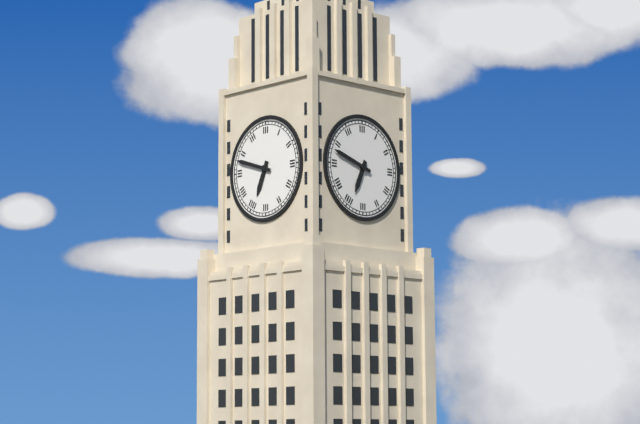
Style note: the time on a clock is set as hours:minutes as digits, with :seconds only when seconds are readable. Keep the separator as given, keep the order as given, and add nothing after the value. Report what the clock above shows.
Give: 6:48
